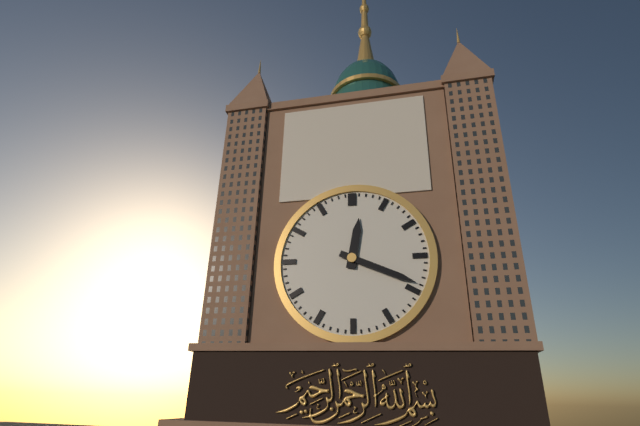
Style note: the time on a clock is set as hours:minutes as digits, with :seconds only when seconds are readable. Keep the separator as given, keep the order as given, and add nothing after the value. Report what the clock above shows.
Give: 12:19
